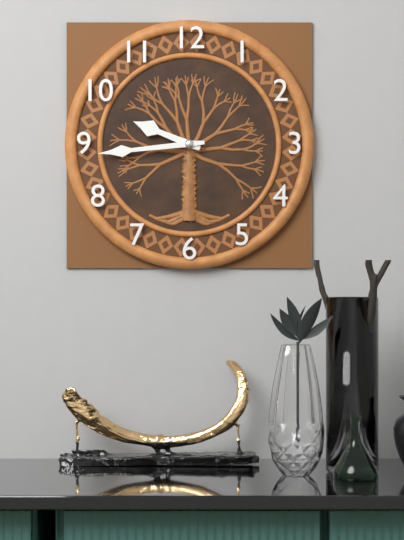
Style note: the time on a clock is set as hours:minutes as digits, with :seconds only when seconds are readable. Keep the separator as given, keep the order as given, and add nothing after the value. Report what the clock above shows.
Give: 9:44
